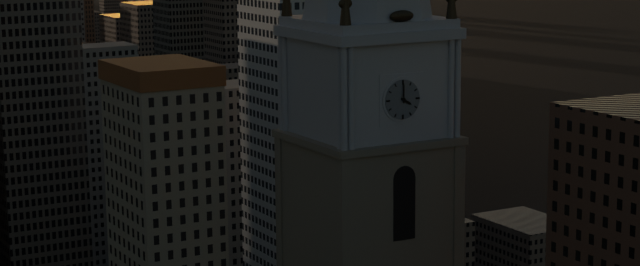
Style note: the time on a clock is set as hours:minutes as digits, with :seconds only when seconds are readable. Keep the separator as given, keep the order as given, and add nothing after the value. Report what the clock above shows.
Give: 4:00
